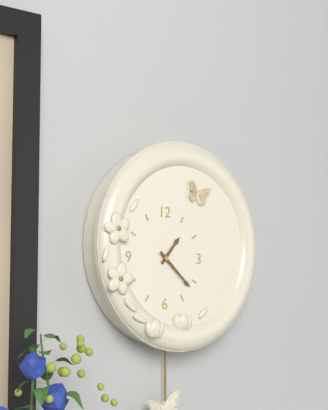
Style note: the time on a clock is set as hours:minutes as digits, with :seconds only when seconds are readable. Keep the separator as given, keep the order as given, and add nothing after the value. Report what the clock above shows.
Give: 1:22
